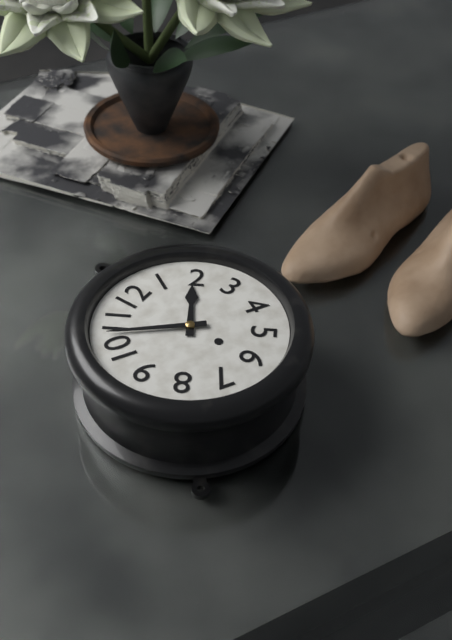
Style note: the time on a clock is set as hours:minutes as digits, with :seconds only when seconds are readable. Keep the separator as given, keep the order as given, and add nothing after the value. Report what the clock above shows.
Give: 1:53
